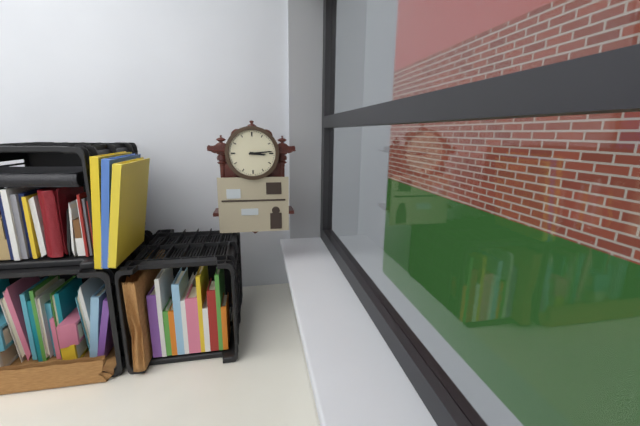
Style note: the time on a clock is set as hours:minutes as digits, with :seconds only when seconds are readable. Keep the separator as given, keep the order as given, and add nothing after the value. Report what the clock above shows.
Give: 3:14
